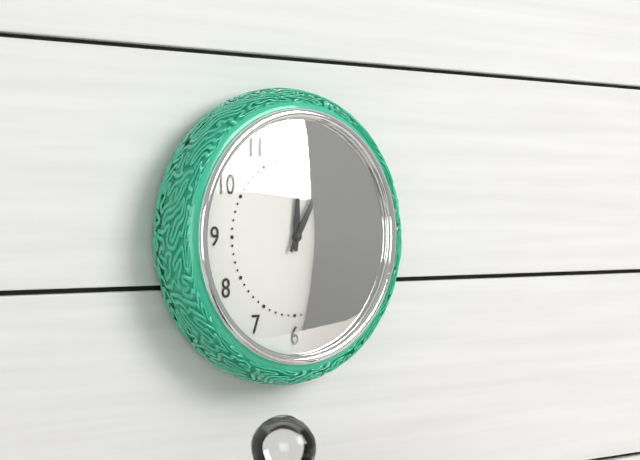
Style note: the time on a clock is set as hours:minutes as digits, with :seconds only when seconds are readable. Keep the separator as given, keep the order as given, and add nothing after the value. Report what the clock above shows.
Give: 12:05
